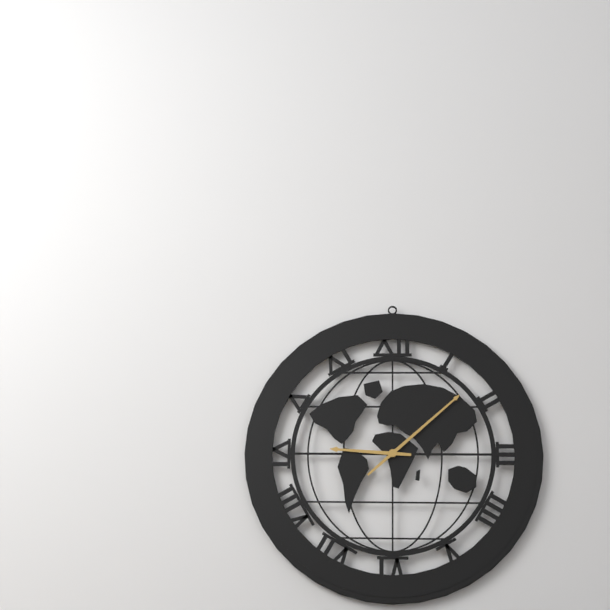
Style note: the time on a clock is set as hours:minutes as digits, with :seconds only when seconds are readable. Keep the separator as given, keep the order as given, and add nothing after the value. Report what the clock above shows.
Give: 9:08
